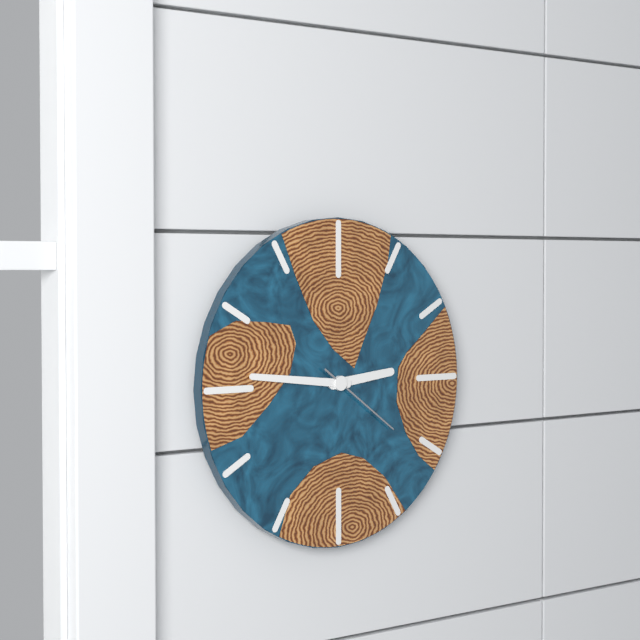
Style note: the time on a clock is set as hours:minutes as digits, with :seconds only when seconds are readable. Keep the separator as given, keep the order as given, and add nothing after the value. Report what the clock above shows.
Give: 2:46:21
